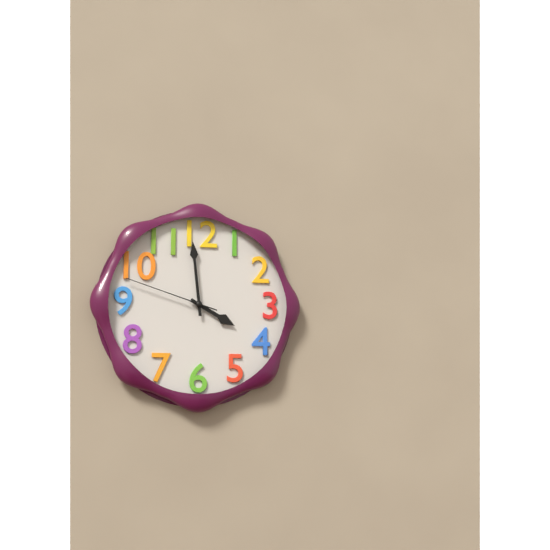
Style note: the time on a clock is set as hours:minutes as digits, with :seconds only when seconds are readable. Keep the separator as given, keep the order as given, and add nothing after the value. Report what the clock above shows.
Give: 3:59:48
